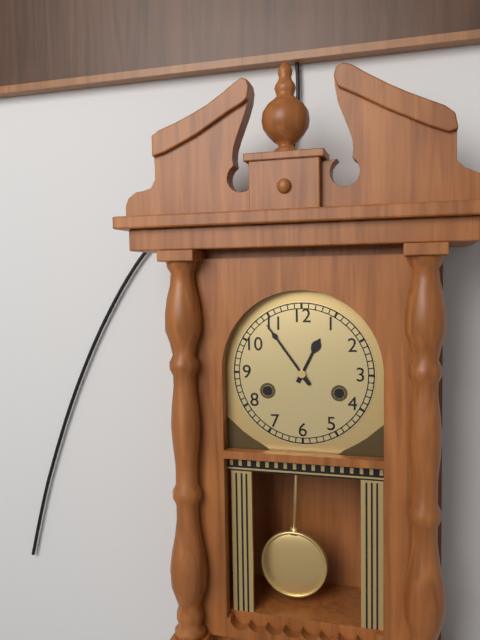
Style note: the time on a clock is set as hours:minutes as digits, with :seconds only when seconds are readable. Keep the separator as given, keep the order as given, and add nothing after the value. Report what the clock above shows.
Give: 12:54
